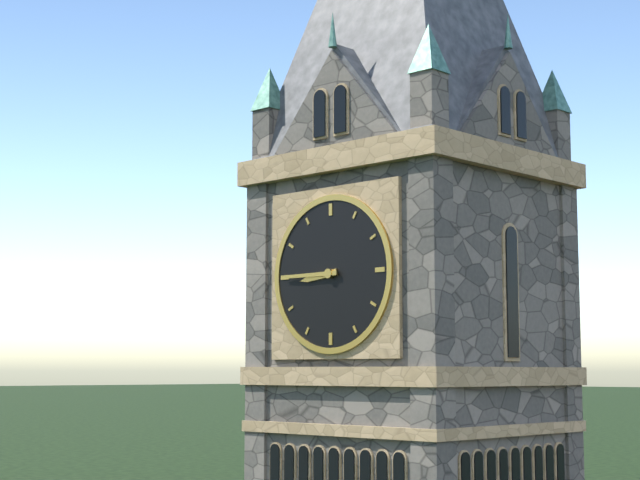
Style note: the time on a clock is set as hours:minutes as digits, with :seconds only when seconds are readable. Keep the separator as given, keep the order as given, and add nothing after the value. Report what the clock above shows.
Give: 8:45
